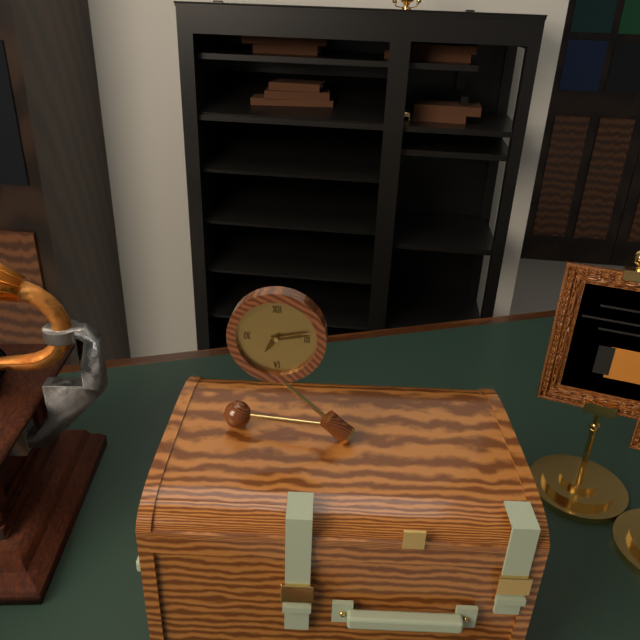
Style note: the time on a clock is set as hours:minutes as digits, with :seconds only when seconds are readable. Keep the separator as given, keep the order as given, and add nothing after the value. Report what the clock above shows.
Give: 7:13
